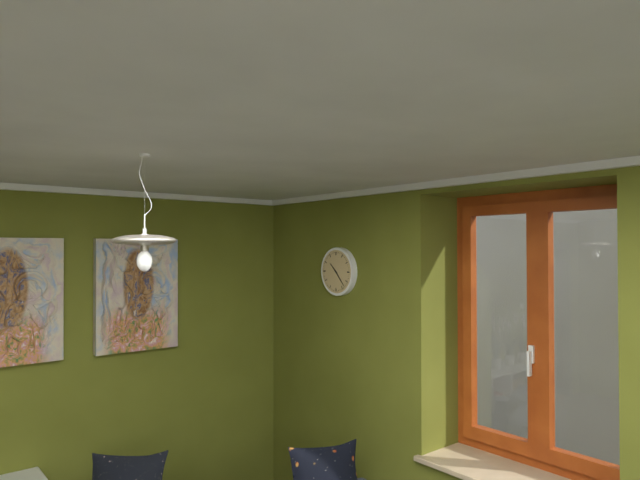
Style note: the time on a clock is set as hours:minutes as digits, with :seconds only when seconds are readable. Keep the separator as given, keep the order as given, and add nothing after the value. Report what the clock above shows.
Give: 10:23
